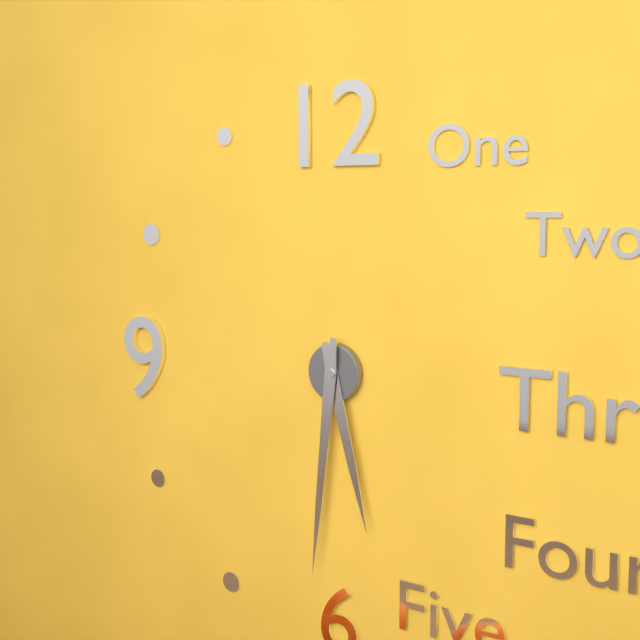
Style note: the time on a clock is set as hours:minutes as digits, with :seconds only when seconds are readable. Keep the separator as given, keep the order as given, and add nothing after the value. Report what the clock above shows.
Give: 5:31
